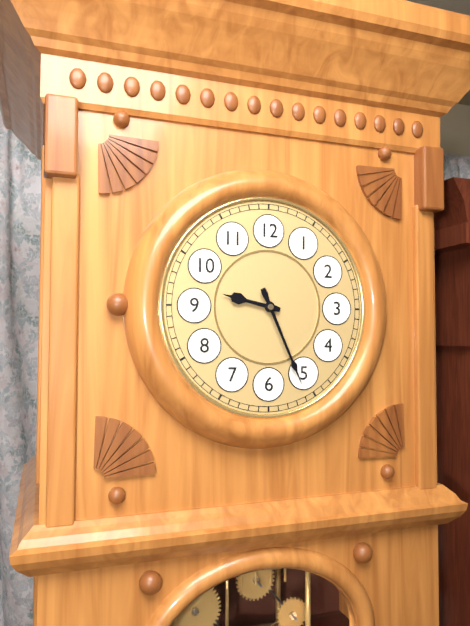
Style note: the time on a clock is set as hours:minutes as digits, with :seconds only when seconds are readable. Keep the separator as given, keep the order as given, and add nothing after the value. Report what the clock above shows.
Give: 9:26
